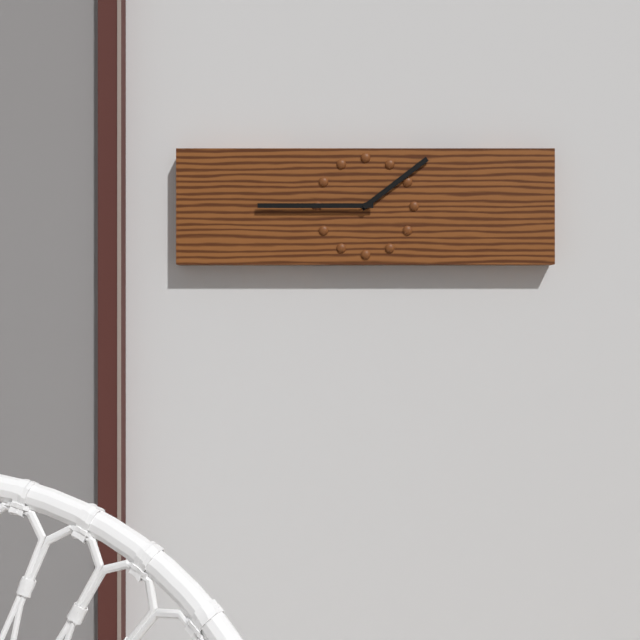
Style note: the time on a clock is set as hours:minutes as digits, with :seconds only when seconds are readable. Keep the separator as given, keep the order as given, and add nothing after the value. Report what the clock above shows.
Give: 1:45
